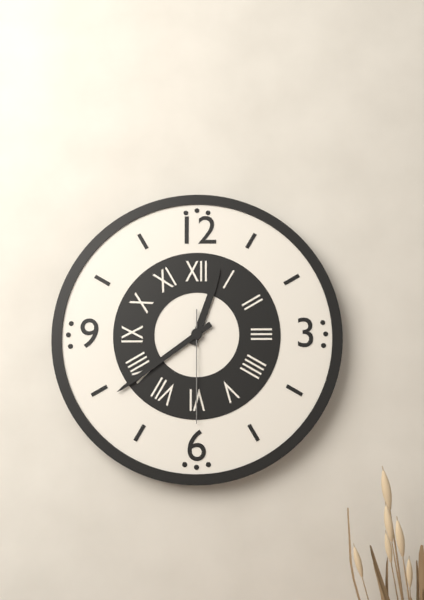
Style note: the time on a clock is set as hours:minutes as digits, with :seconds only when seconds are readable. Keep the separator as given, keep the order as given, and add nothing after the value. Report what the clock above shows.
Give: 12:39:30
